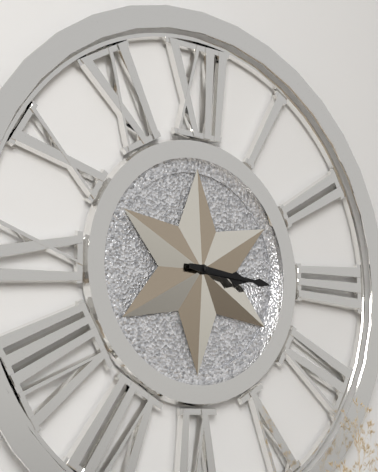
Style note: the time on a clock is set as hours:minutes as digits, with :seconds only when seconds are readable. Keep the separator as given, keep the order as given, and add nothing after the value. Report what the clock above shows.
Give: 3:16
